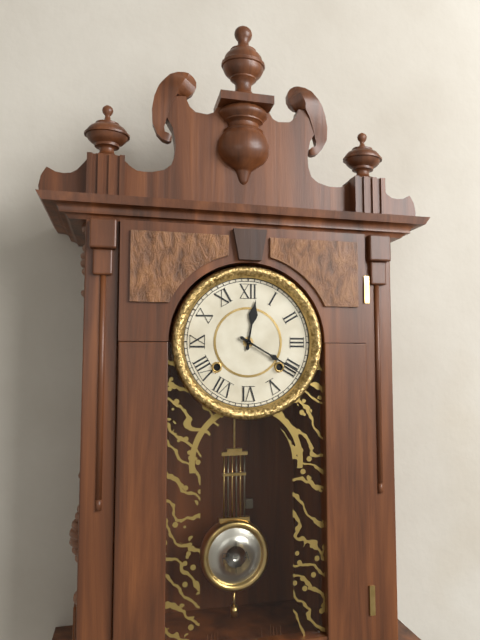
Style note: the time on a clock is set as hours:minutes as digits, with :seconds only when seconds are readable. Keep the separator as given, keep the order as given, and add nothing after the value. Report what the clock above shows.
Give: 12:20
